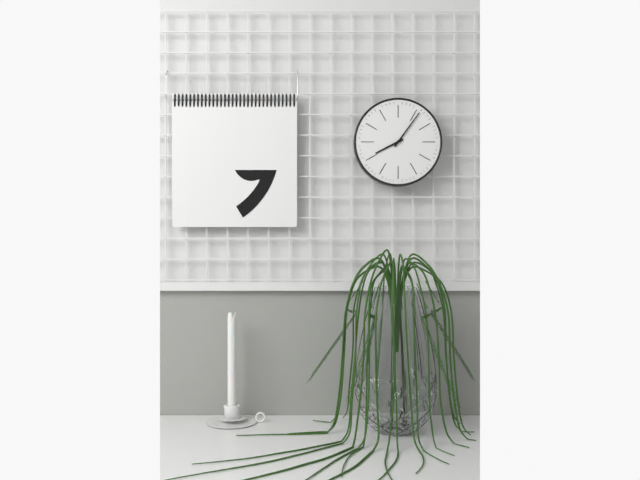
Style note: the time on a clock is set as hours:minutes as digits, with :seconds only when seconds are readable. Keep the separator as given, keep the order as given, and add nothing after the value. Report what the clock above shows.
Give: 8:06
